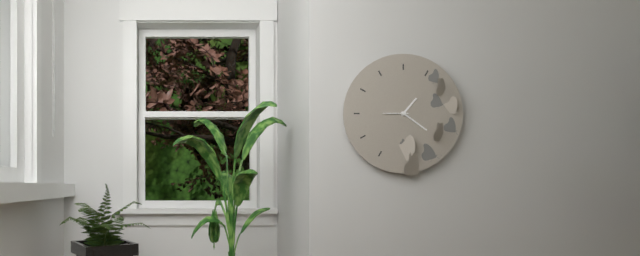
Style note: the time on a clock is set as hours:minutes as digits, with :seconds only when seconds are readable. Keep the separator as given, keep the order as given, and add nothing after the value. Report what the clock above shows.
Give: 1:21
